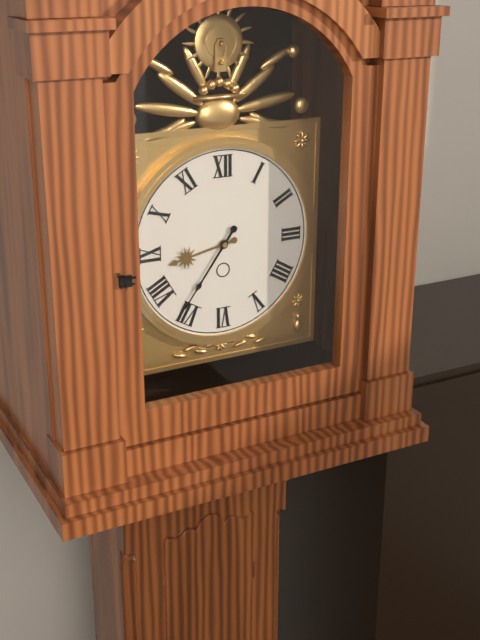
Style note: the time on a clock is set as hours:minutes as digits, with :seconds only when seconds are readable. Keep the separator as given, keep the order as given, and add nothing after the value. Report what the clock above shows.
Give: 8:36
